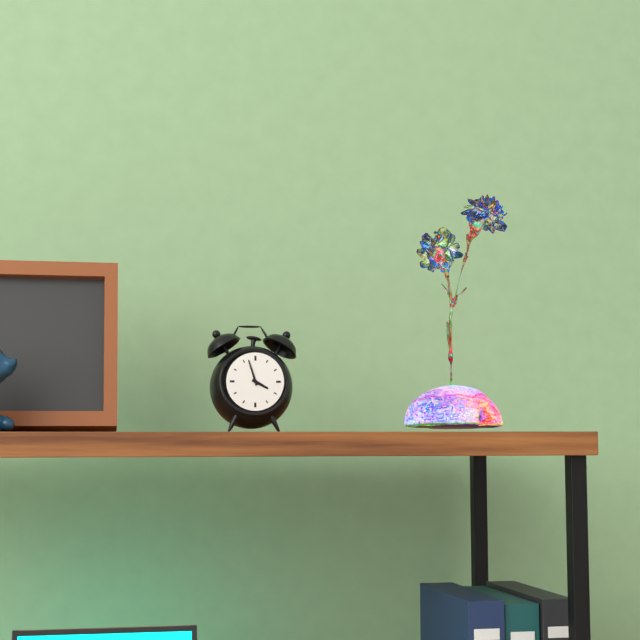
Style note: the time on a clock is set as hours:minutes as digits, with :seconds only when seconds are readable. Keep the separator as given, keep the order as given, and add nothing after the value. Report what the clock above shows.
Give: 3:57
